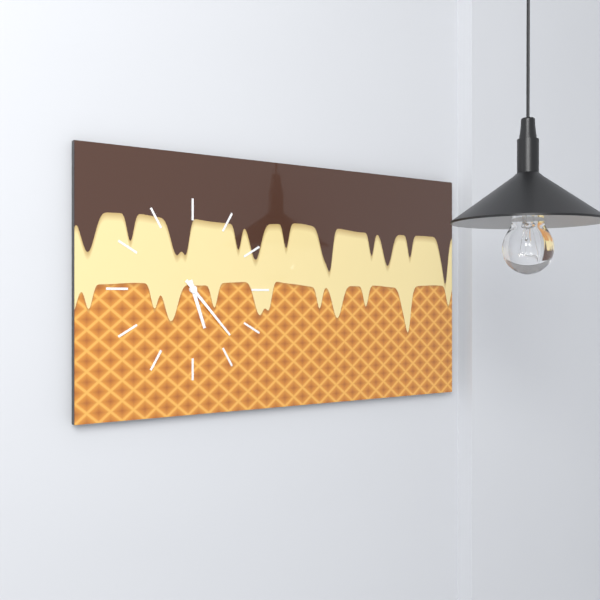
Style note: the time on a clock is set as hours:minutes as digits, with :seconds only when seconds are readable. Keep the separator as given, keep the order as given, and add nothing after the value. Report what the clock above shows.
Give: 5:23
